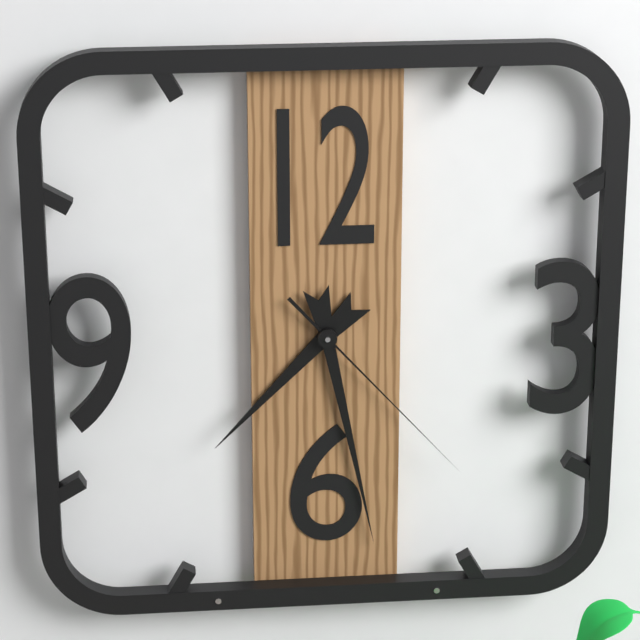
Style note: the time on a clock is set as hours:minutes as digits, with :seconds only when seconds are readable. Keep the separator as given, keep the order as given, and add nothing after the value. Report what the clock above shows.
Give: 7:28:23
